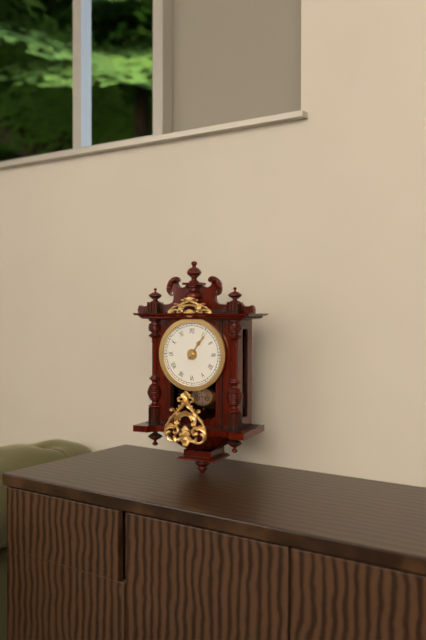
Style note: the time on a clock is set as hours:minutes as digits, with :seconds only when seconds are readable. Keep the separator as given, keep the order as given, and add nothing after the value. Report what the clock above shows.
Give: 1:06
